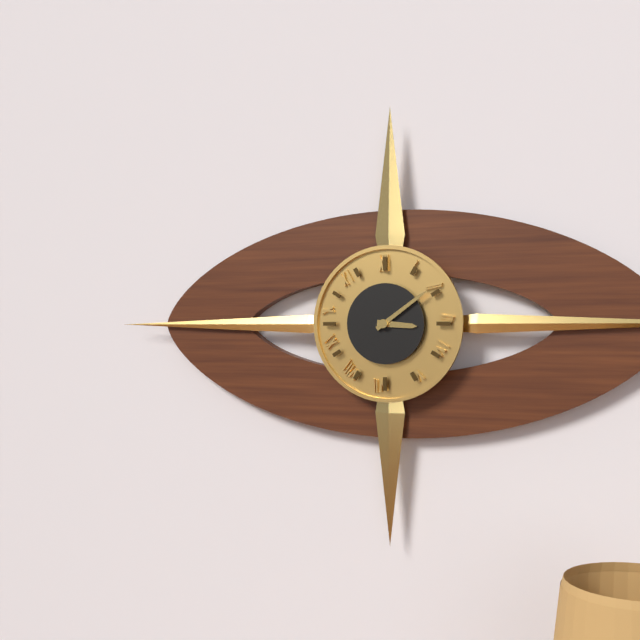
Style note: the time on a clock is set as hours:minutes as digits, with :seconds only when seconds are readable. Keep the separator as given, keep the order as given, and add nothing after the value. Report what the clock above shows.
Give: 3:09
